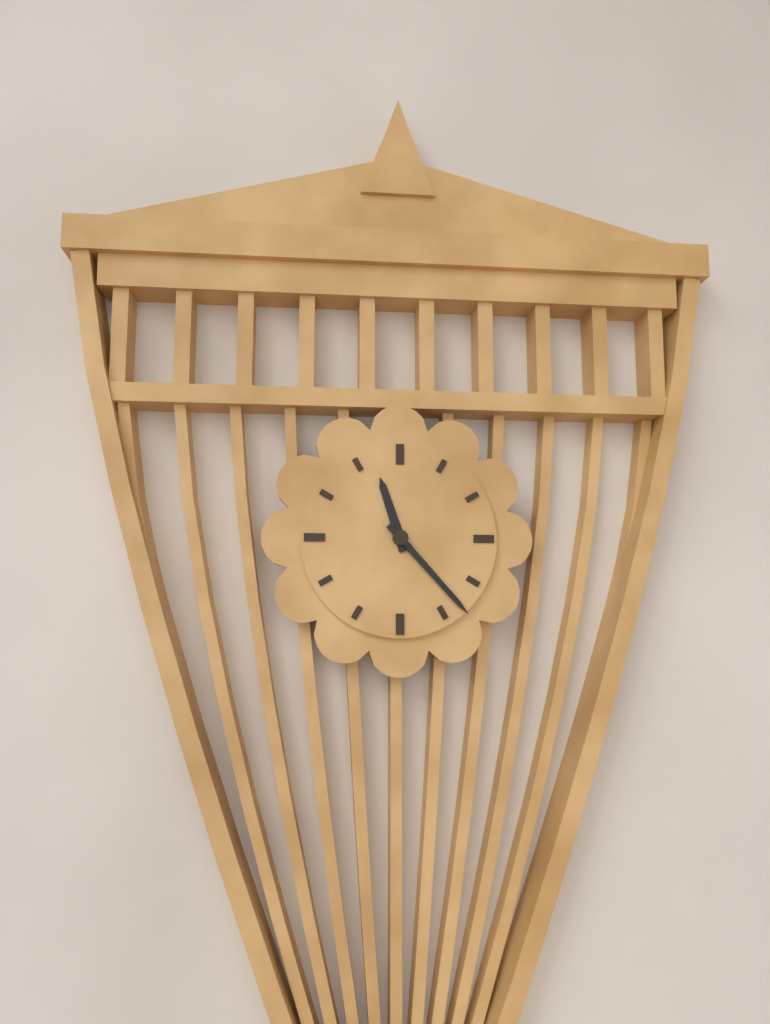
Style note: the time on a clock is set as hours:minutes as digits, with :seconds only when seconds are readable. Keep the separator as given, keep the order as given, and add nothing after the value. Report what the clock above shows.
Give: 11:23
